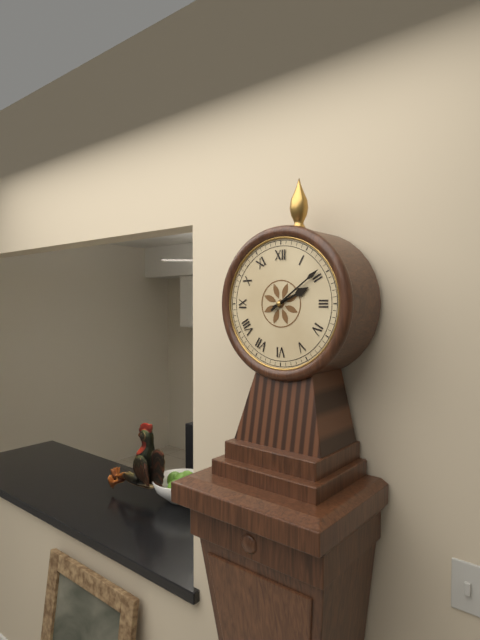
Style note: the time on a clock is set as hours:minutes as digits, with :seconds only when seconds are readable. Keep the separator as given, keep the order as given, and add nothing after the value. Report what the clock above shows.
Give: 2:09
